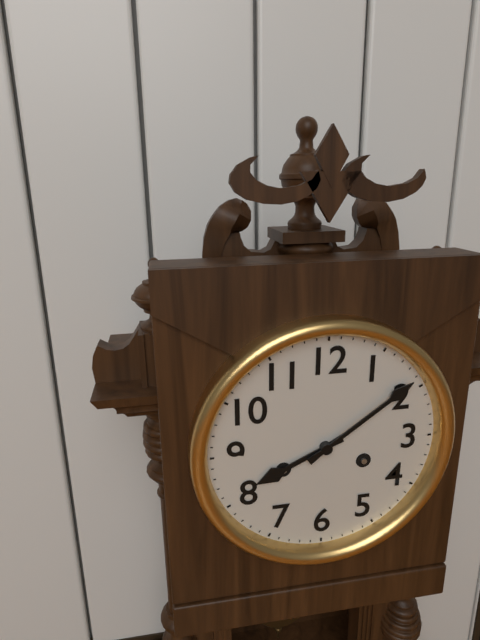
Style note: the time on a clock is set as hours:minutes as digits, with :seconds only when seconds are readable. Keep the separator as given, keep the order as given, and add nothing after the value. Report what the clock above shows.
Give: 8:09
